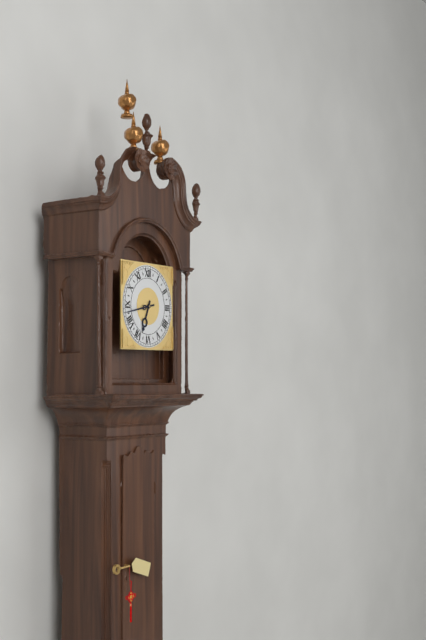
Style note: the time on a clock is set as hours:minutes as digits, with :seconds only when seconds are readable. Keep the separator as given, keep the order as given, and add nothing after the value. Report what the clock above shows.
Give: 6:43
